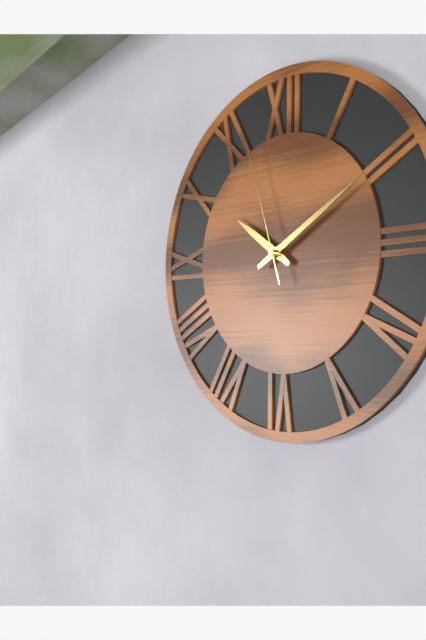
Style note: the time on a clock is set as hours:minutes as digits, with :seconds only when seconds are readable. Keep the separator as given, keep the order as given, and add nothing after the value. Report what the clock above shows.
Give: 10:10:57
